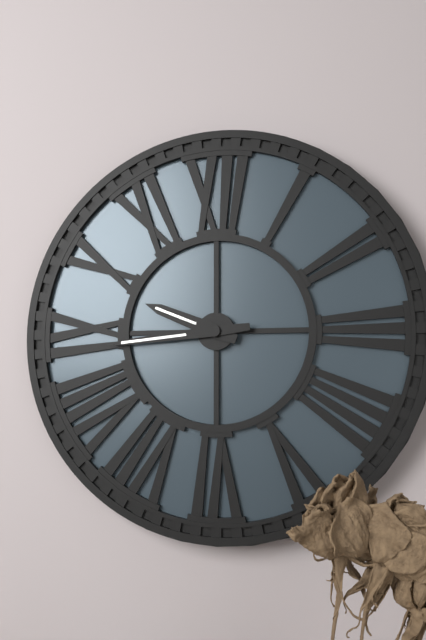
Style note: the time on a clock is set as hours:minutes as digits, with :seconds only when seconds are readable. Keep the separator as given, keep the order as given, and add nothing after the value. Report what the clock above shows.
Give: 9:44
